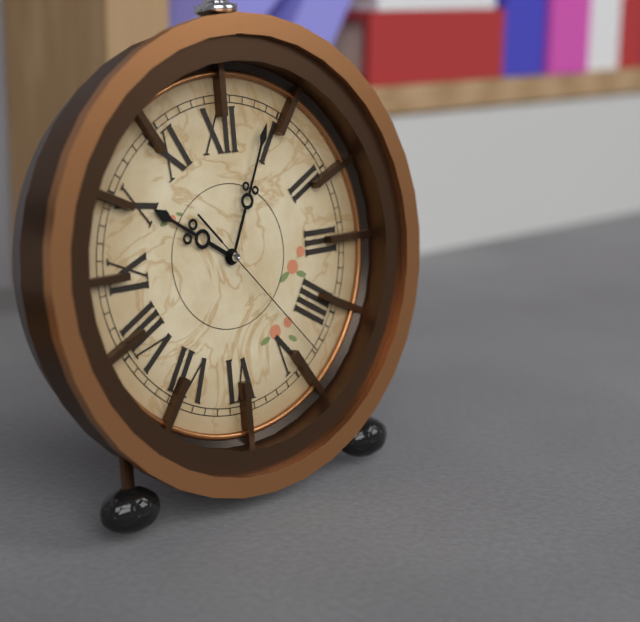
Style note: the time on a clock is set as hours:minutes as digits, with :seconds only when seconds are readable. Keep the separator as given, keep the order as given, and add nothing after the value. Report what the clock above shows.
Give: 10:04:23
